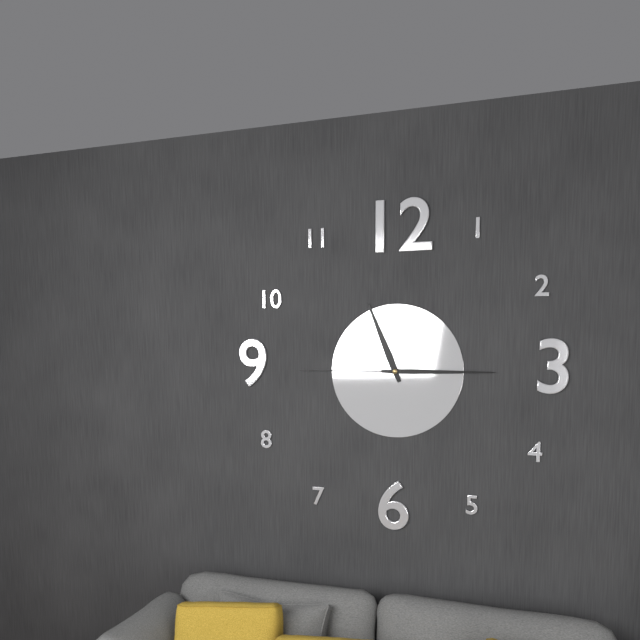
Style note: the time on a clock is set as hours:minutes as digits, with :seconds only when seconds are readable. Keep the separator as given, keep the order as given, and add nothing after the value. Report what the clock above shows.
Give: 11:15:45
